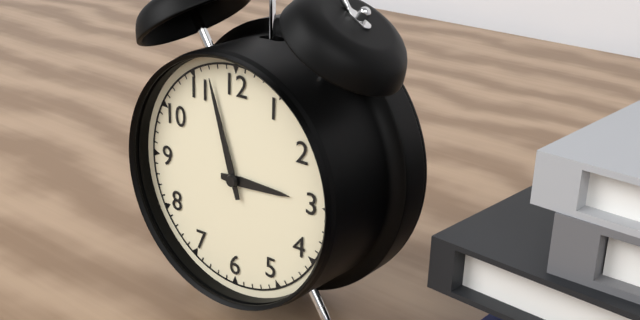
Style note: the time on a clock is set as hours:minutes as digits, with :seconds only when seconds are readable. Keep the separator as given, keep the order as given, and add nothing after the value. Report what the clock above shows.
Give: 2:57
